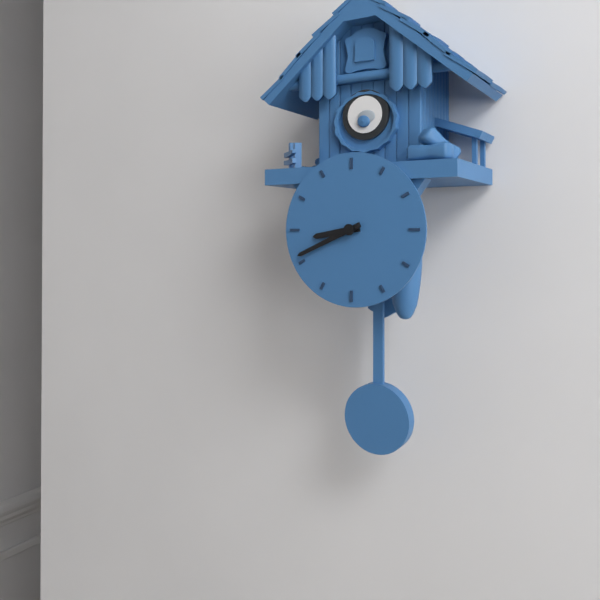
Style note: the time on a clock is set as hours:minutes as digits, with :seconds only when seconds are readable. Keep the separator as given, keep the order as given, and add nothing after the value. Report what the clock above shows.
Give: 8:41
